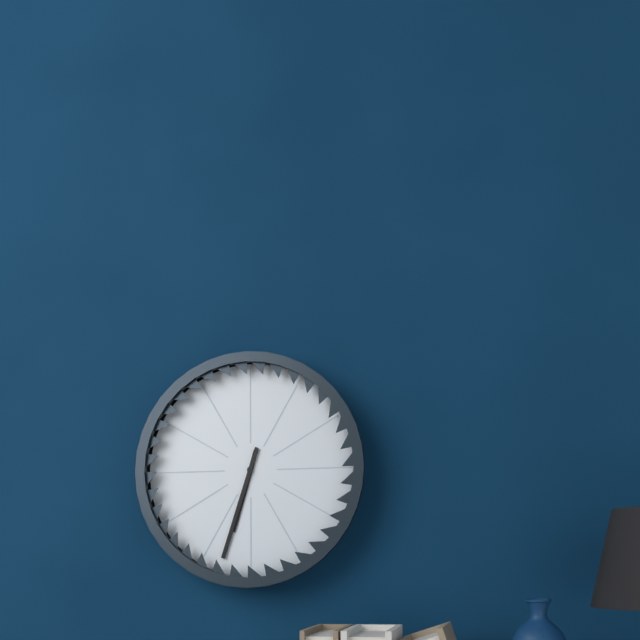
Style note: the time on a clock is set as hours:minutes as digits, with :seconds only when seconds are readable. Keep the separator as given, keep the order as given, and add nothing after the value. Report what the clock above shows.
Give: 6:33
